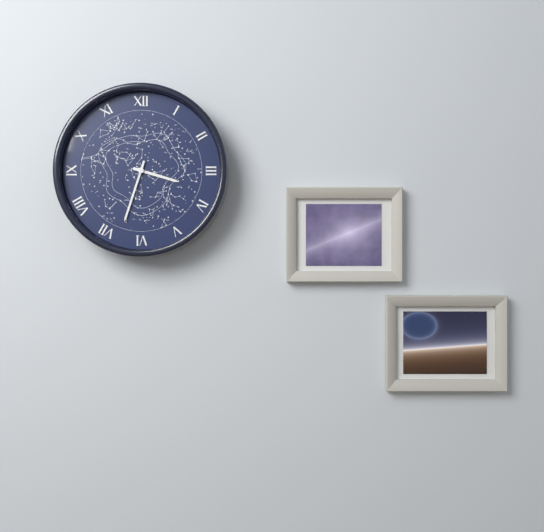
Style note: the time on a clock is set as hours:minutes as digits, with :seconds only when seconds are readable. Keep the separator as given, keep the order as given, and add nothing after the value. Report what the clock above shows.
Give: 3:33
